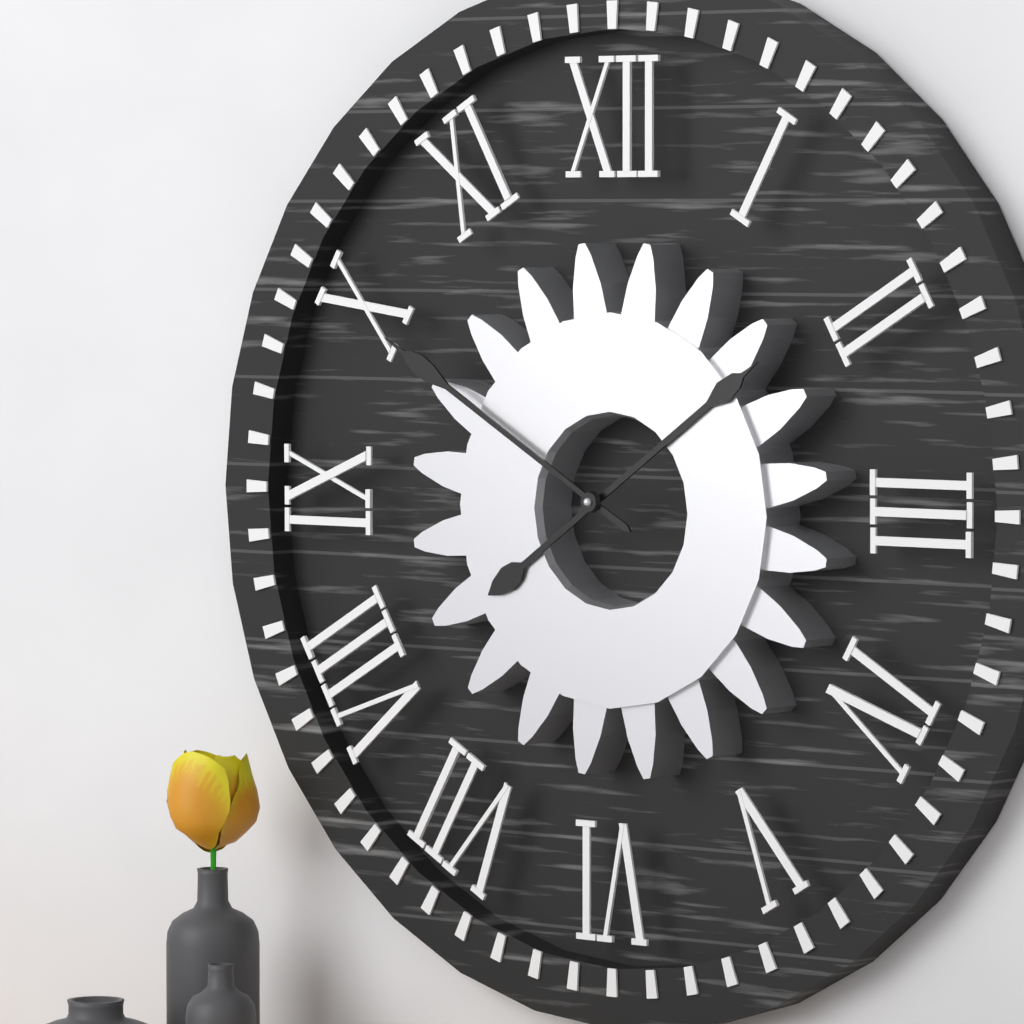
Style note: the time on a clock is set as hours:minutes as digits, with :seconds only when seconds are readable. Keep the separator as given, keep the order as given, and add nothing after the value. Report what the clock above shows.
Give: 1:50
